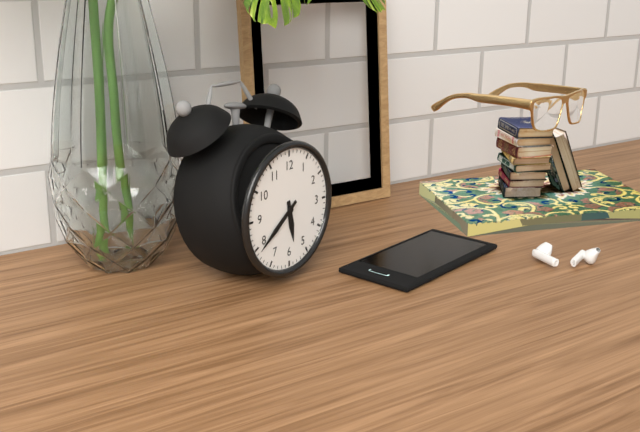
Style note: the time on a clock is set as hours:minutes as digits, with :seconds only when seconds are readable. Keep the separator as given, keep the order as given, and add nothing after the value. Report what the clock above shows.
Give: 5:39
